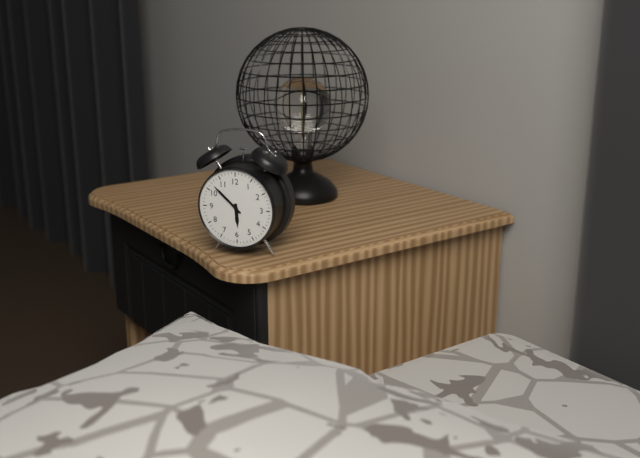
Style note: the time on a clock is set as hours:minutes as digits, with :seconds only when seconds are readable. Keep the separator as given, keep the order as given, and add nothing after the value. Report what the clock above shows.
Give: 5:52
